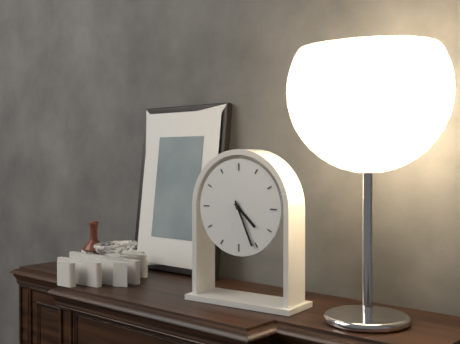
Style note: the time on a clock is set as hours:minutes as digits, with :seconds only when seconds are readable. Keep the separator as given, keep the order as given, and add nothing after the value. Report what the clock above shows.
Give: 4:26
